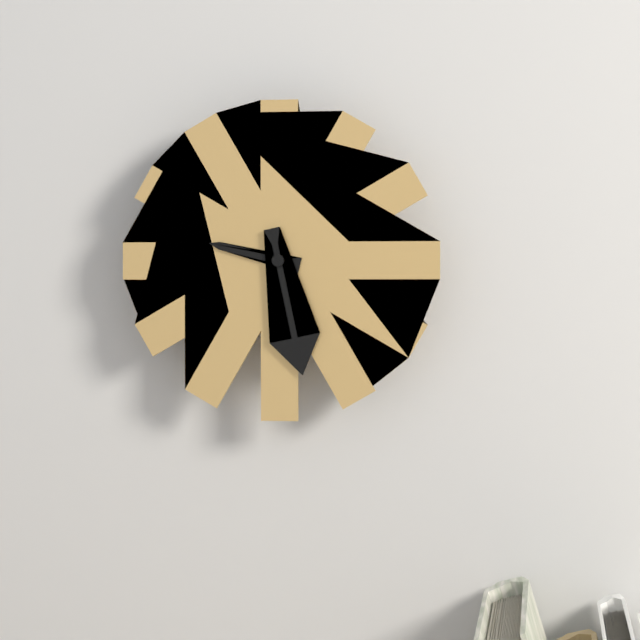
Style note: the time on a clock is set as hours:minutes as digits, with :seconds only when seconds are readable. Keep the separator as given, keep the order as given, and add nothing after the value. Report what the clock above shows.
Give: 9:28
